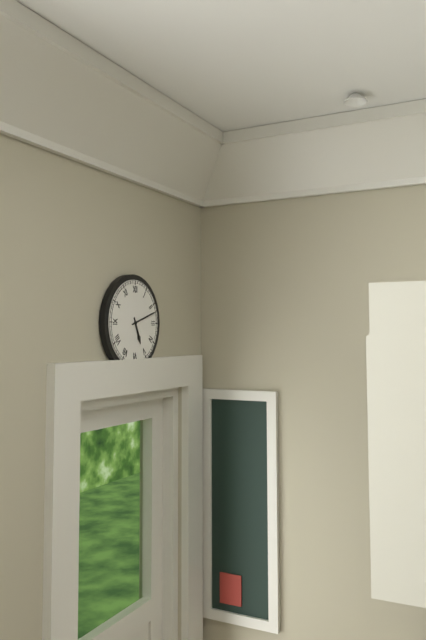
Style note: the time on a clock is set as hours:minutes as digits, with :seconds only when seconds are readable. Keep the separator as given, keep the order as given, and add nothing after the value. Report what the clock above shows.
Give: 5:12
